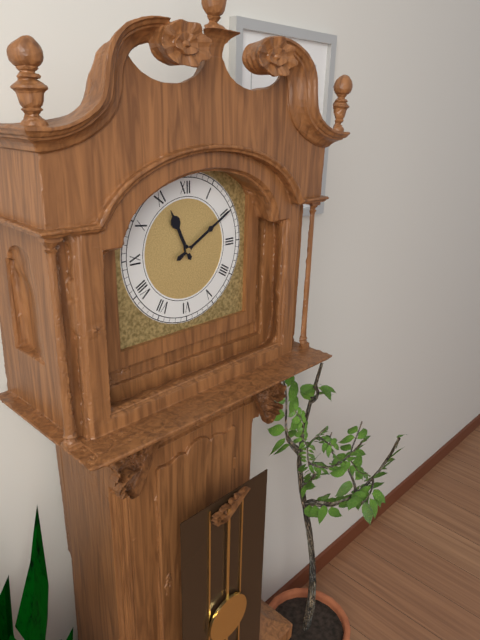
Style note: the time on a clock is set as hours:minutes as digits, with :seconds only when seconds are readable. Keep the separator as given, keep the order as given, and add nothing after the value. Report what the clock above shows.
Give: 11:10
